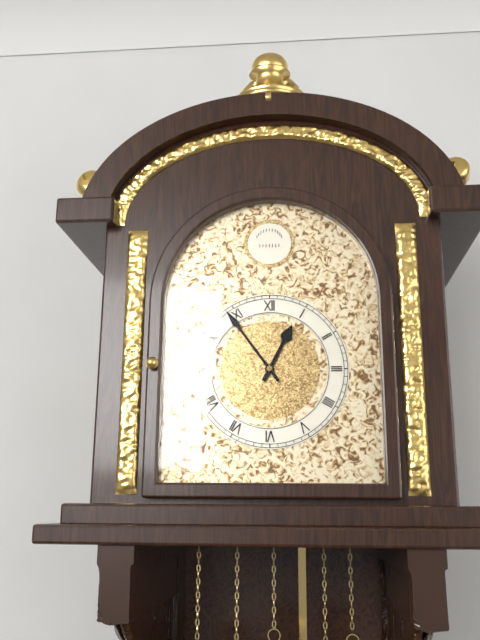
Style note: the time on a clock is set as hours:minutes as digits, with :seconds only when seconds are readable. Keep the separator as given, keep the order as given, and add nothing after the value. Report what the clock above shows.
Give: 12:54
